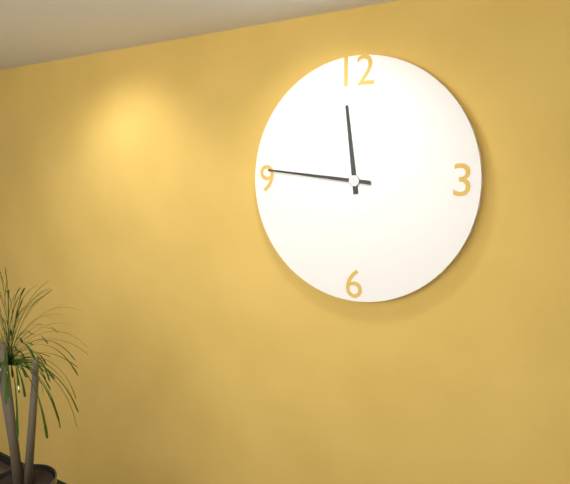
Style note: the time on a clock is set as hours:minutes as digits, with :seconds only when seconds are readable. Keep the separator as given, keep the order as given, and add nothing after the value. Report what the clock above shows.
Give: 11:46
